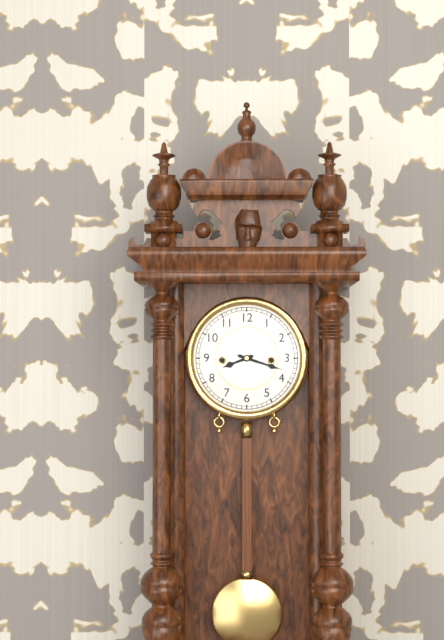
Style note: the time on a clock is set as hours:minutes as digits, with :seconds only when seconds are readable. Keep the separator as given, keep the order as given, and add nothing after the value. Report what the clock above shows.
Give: 8:18
